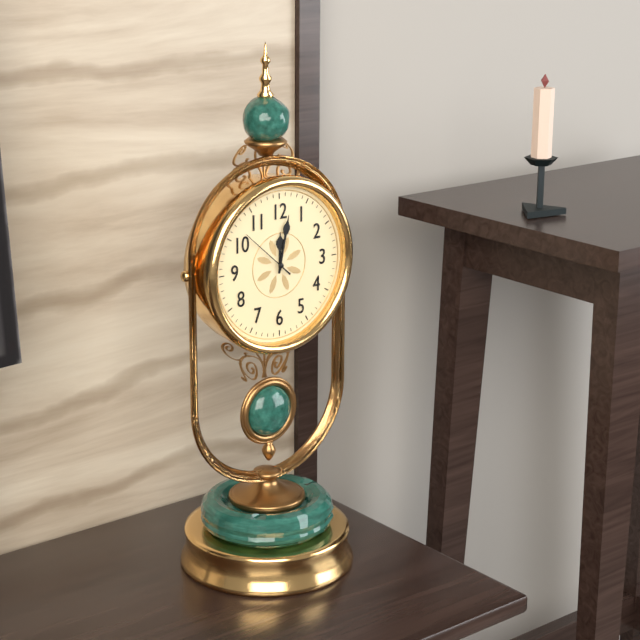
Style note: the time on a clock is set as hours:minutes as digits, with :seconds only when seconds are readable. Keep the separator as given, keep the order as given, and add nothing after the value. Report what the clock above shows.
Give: 12:02:52
